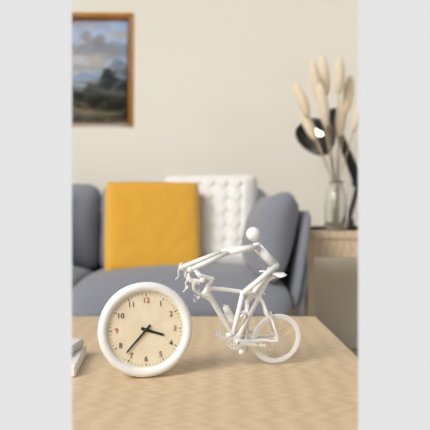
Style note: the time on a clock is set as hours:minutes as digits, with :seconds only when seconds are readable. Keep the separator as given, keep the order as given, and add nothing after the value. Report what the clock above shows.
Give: 3:37
